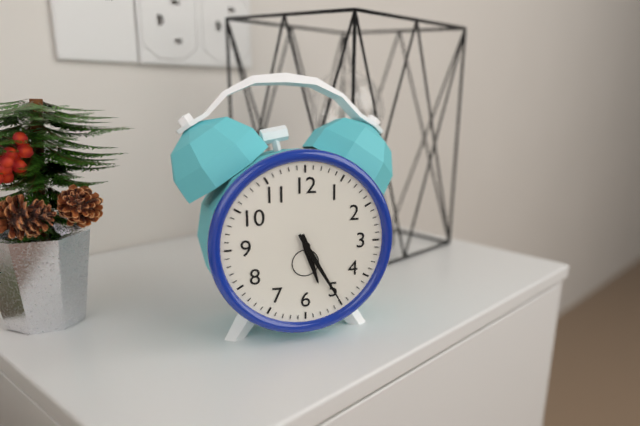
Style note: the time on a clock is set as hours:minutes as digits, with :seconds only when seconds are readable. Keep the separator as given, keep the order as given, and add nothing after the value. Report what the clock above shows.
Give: 5:25
